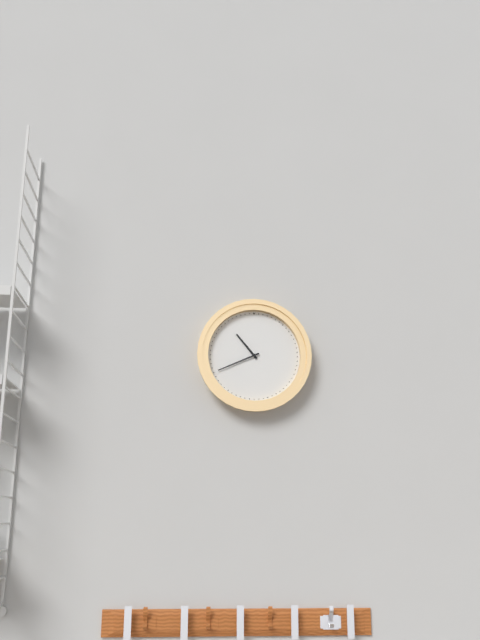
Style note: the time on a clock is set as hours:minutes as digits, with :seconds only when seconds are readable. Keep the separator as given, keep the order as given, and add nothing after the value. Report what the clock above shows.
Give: 10:41
